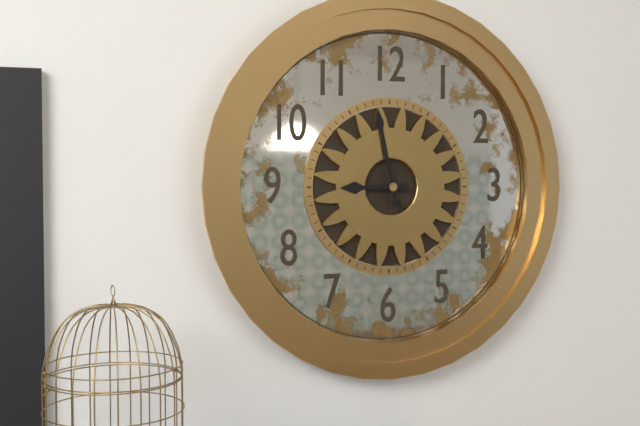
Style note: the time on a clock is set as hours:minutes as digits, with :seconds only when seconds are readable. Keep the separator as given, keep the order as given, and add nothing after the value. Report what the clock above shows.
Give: 8:58
